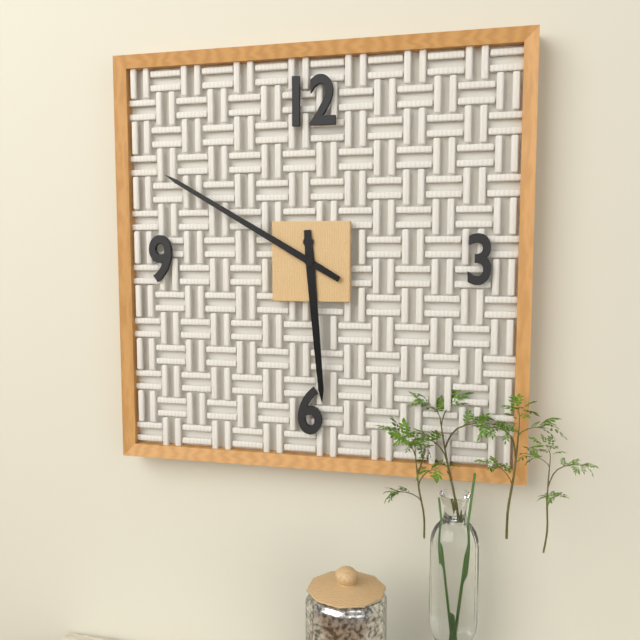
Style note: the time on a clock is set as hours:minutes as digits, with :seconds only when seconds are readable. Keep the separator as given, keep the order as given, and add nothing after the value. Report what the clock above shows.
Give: 5:50
